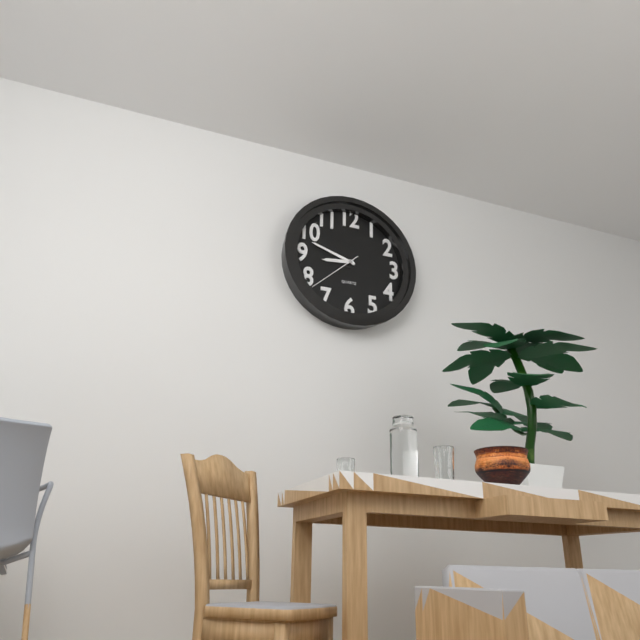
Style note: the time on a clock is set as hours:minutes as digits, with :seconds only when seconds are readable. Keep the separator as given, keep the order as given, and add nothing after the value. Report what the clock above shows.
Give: 8:48
